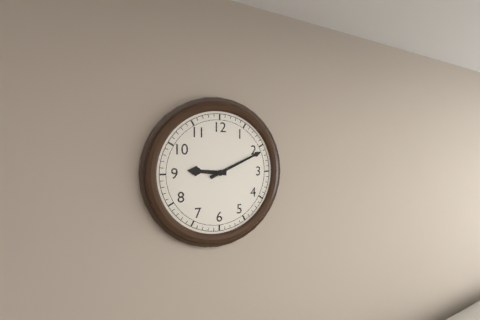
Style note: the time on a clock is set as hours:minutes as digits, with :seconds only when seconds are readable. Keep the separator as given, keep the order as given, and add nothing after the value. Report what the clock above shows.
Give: 9:11
